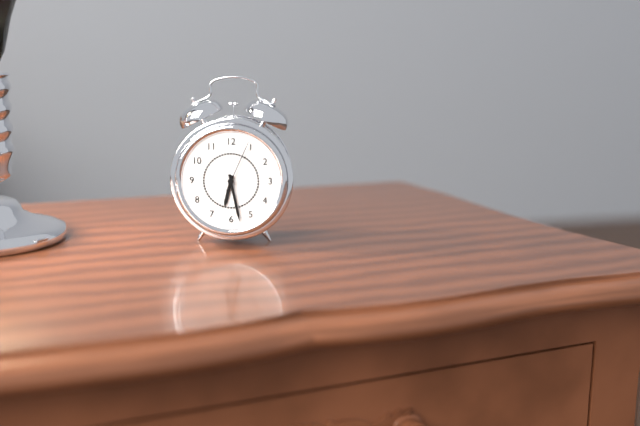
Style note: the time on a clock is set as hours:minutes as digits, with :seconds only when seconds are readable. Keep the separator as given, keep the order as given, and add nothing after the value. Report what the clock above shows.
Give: 6:28:04
